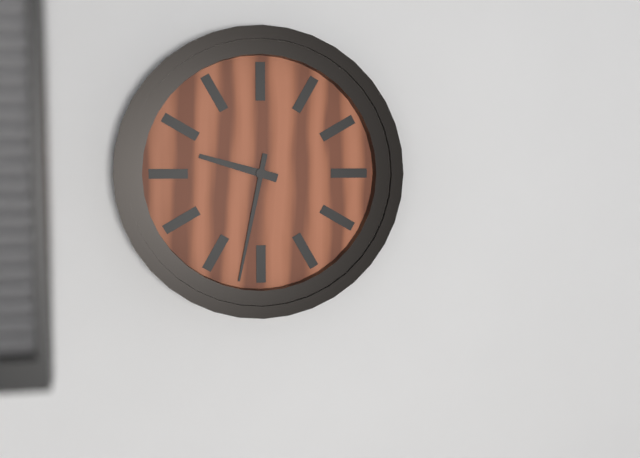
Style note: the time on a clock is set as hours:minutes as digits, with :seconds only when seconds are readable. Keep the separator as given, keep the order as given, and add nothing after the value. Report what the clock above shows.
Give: 9:32
